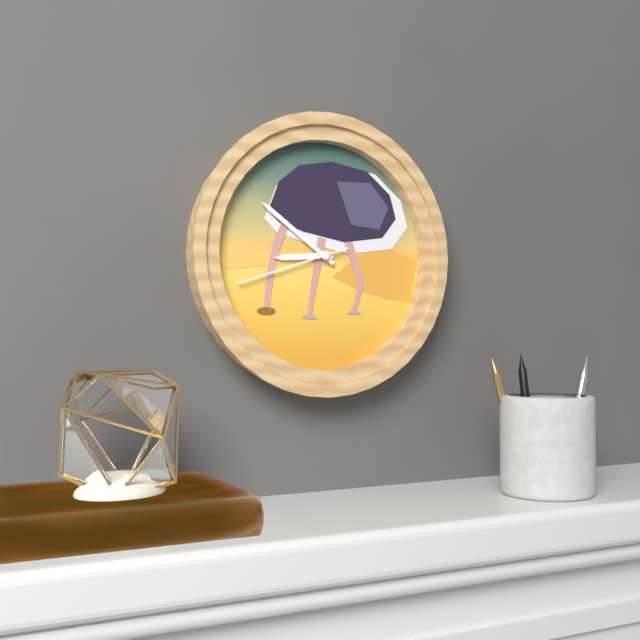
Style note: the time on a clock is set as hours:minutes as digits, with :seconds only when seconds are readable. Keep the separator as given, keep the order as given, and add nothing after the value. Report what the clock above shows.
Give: 8:51:42
